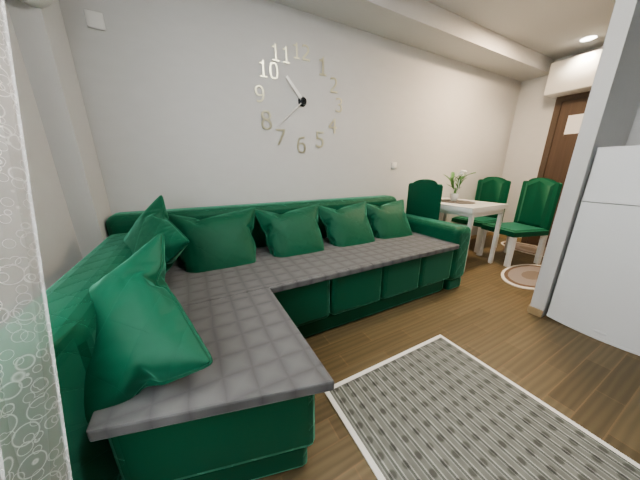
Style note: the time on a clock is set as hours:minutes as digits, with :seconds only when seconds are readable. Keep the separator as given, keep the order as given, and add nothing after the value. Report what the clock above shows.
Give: 10:38
